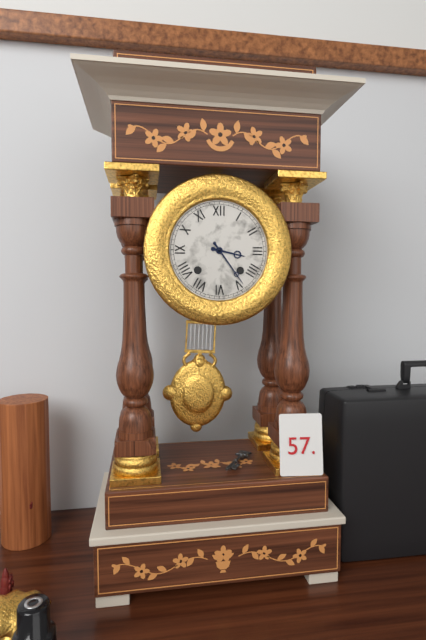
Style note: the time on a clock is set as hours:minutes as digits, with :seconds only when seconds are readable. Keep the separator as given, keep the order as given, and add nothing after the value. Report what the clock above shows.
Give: 3:24
